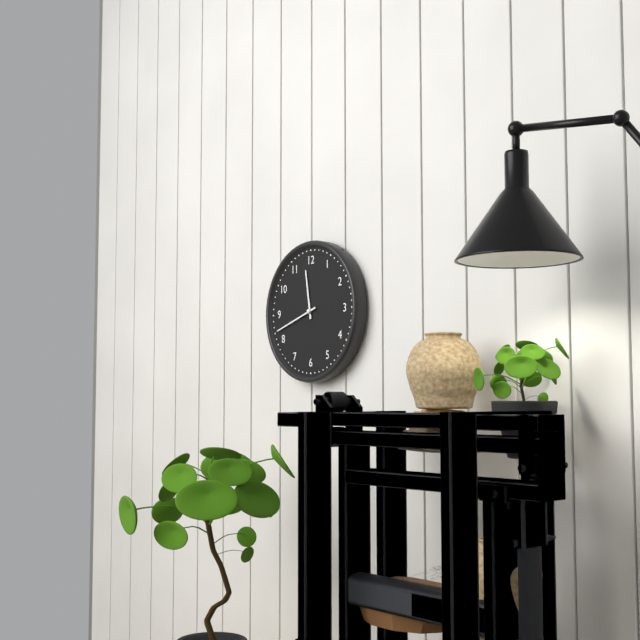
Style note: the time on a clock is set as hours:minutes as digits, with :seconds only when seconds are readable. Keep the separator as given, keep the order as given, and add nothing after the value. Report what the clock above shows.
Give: 11:42
